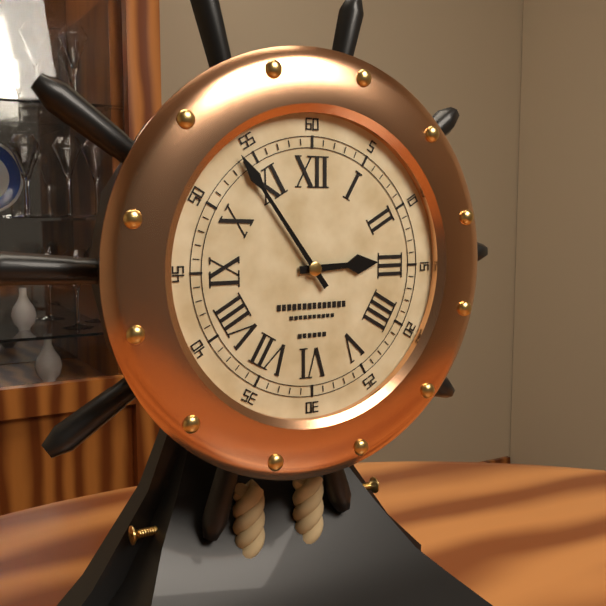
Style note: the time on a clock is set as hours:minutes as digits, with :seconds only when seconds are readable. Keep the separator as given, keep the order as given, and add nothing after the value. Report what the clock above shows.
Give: 2:54
